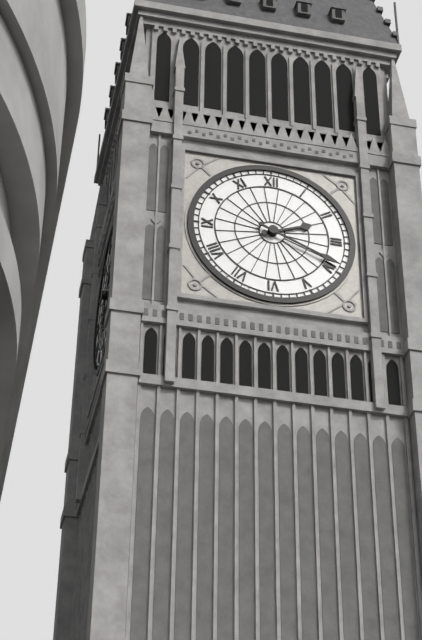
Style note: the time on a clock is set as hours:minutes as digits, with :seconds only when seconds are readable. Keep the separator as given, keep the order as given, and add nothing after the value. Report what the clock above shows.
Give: 2:19
